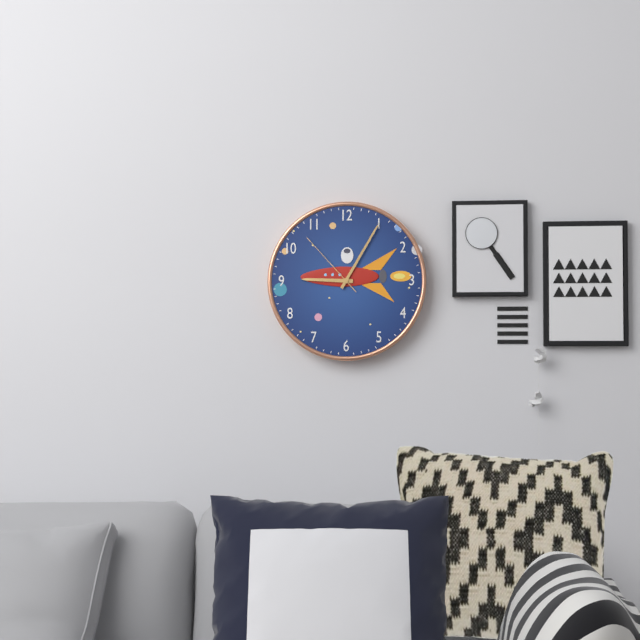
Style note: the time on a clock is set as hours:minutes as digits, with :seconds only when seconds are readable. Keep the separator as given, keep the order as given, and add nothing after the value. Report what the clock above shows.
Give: 9:05:53
